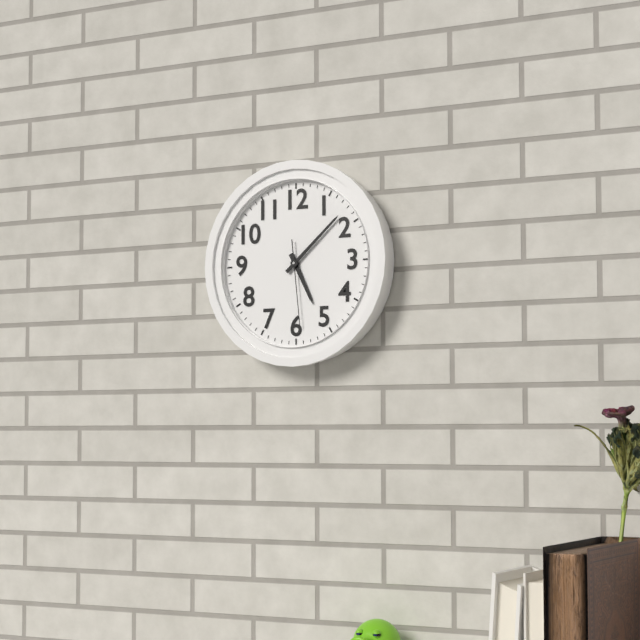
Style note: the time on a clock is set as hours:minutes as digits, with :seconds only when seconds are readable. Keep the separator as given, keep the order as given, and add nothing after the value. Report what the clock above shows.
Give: 5:08:29
